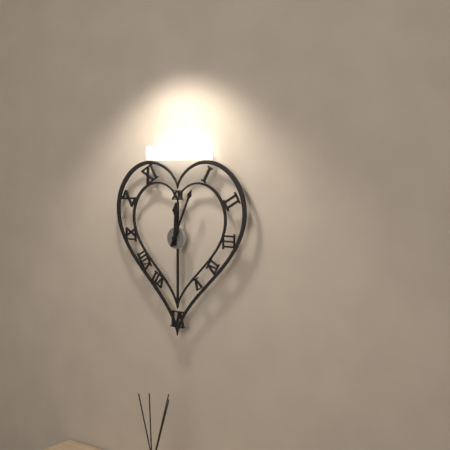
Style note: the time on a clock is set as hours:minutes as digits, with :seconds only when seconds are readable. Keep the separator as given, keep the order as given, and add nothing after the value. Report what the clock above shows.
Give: 12:04
